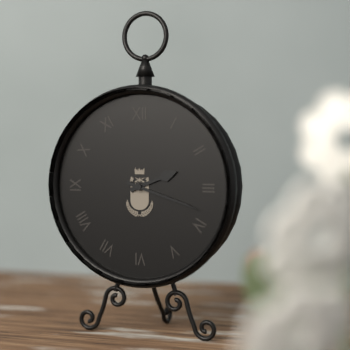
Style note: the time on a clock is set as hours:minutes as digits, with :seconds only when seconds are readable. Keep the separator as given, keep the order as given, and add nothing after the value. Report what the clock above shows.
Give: 2:18
